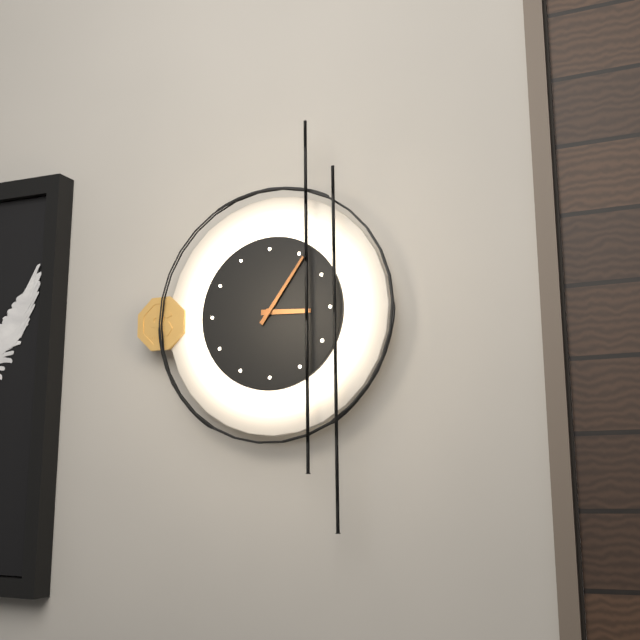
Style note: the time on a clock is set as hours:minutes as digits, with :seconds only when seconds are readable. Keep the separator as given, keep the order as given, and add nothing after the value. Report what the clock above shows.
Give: 3:06
